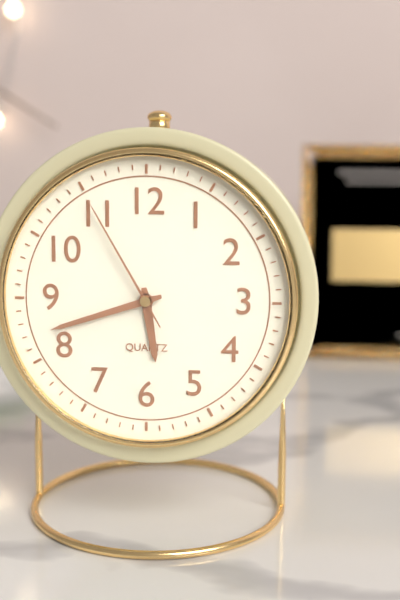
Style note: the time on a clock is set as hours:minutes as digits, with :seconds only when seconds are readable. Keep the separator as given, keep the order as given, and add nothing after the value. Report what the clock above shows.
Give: 5:42:55
